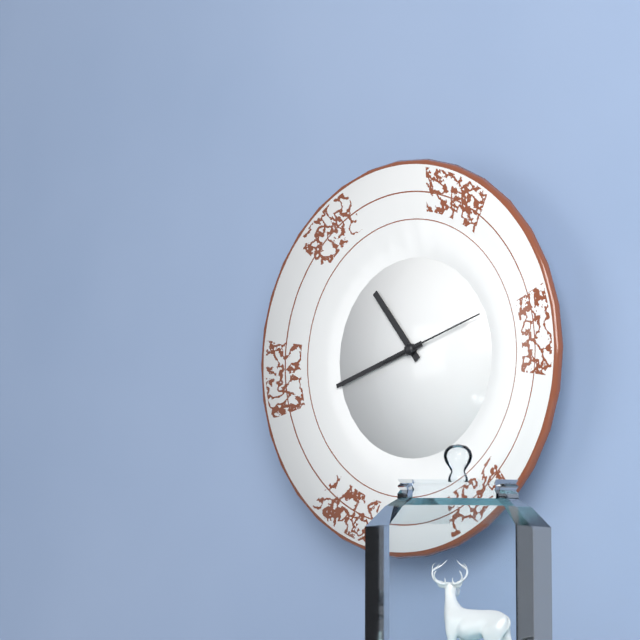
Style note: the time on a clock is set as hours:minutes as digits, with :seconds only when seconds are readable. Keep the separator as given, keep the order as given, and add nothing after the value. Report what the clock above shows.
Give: 10:42:12
